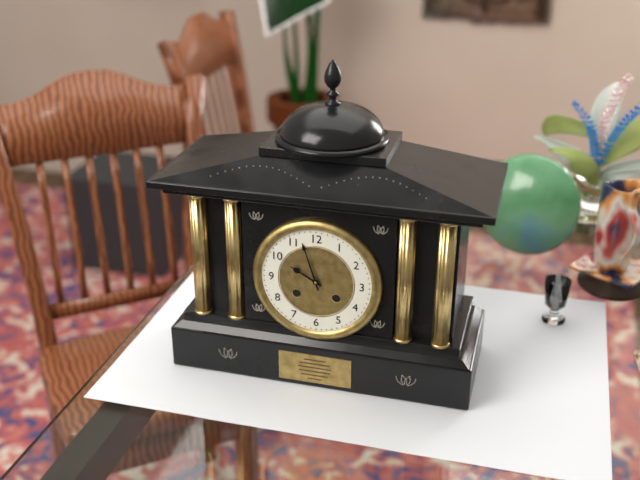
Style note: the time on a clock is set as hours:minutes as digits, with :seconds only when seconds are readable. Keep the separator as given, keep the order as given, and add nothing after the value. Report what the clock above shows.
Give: 9:57
